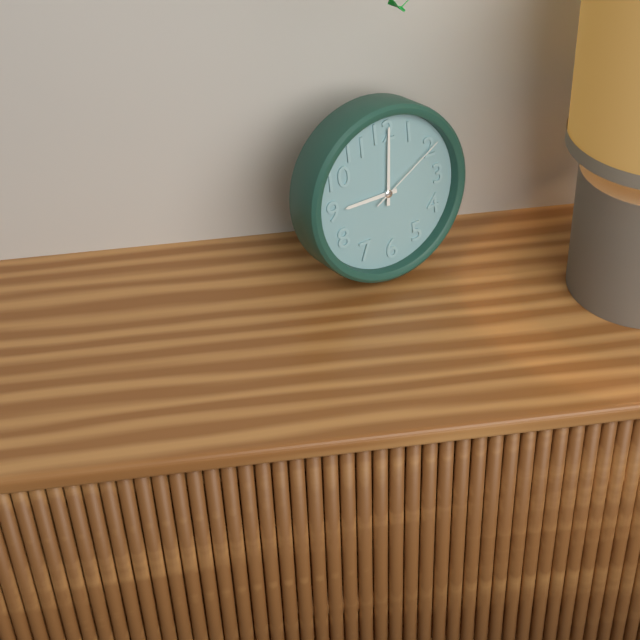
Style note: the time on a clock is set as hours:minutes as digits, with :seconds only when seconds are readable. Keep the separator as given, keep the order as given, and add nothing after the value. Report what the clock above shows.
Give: 9:01:10
